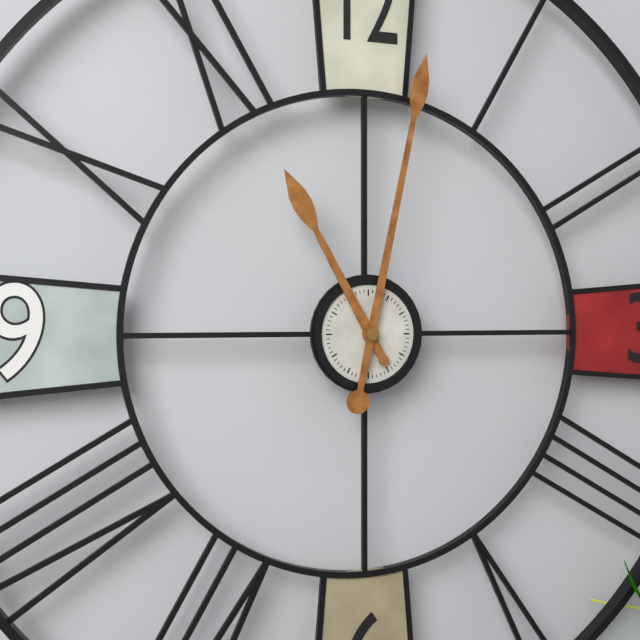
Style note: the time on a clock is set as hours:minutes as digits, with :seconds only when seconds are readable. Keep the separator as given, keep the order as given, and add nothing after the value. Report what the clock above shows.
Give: 11:02
